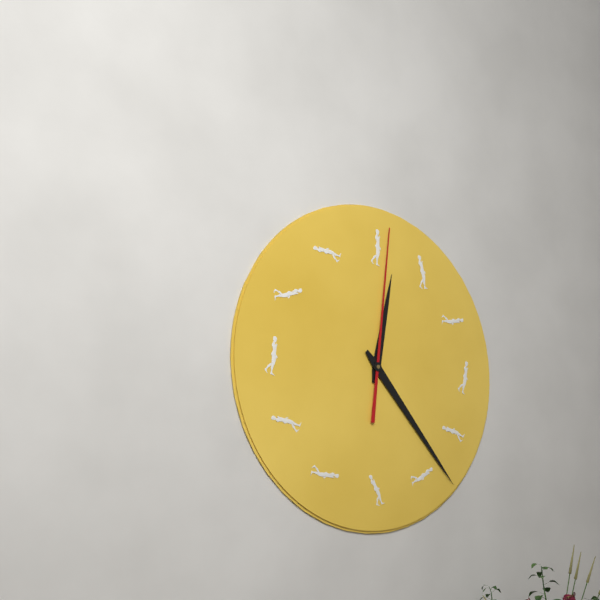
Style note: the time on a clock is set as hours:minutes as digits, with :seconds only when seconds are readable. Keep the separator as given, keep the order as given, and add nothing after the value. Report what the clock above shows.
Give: 12:23:01
